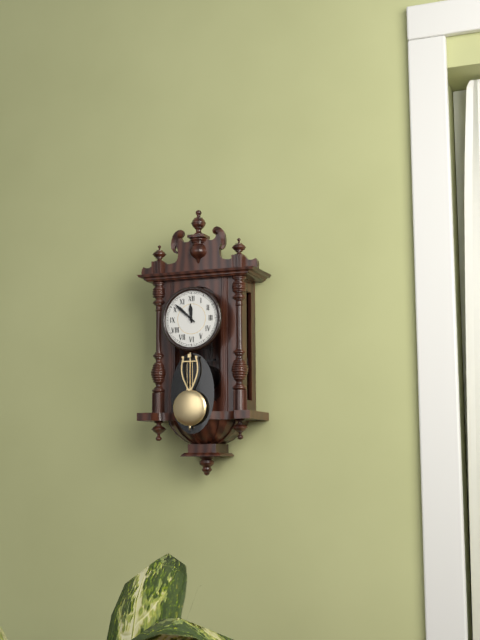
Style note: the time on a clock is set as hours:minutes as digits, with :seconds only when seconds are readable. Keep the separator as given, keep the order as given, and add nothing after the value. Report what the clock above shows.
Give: 11:52
